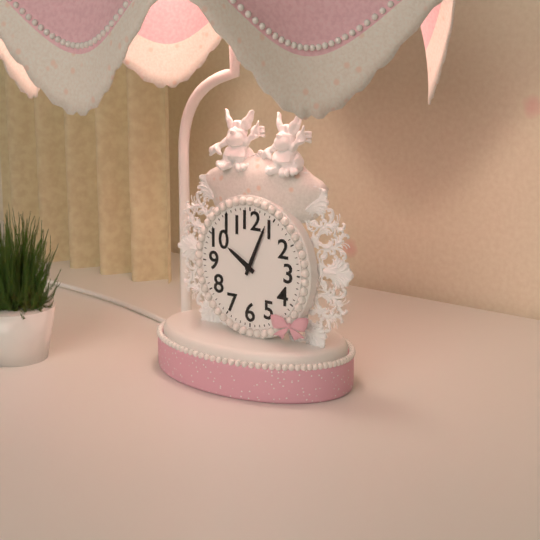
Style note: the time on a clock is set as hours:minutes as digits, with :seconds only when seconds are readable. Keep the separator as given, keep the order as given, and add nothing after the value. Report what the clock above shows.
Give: 10:04
